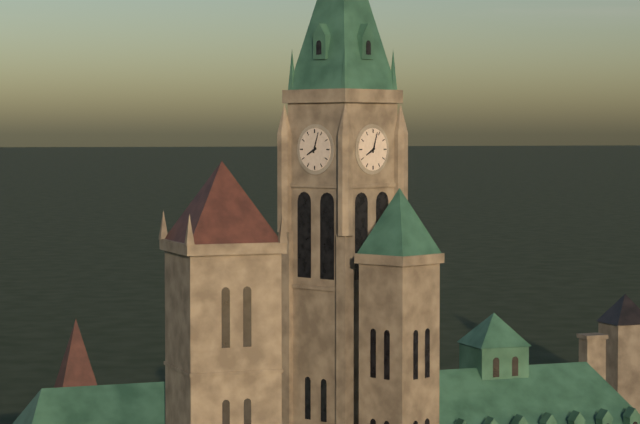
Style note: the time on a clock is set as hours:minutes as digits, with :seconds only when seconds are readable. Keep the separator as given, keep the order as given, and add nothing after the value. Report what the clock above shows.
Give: 8:03
